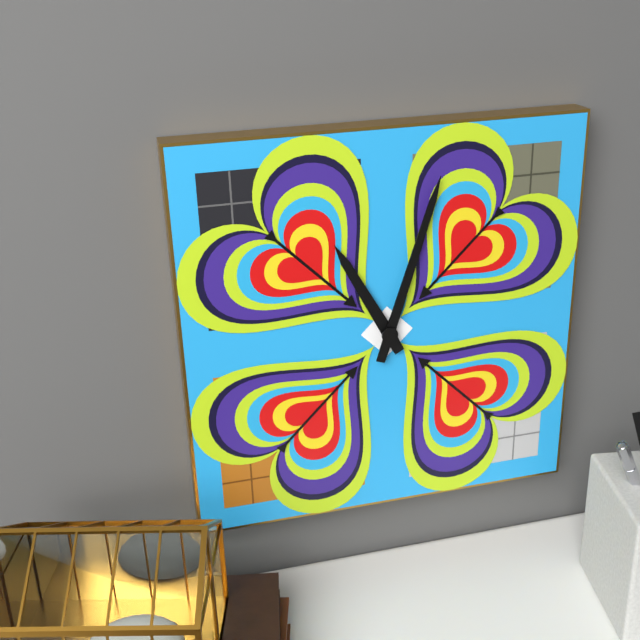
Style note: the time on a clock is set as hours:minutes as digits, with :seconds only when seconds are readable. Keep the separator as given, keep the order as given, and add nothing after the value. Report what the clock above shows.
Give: 11:03
